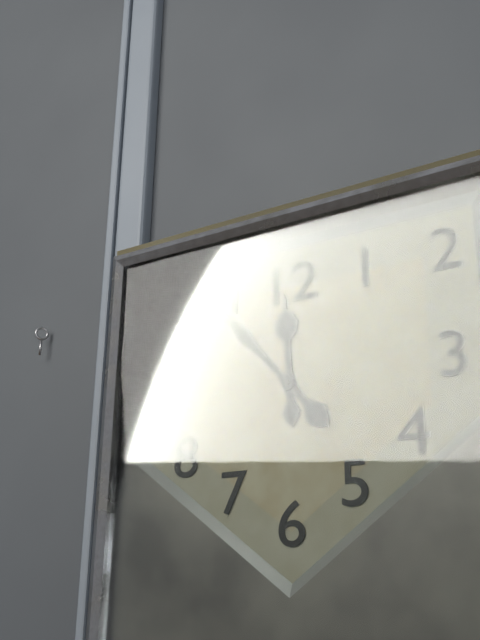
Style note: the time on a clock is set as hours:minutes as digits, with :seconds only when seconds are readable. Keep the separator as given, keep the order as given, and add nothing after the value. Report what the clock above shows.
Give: 11:53
